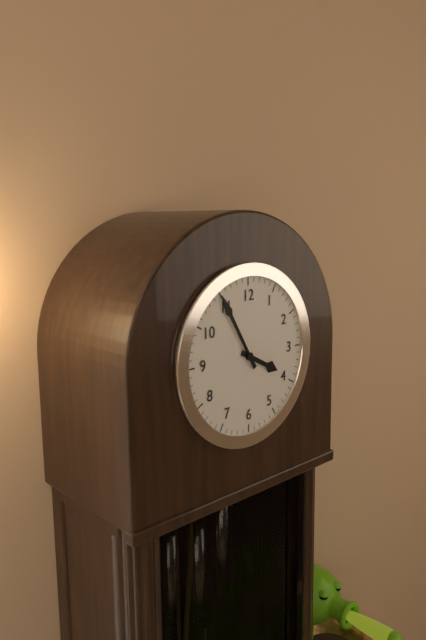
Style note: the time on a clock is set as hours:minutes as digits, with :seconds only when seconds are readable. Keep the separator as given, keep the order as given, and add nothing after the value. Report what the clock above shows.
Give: 3:55
